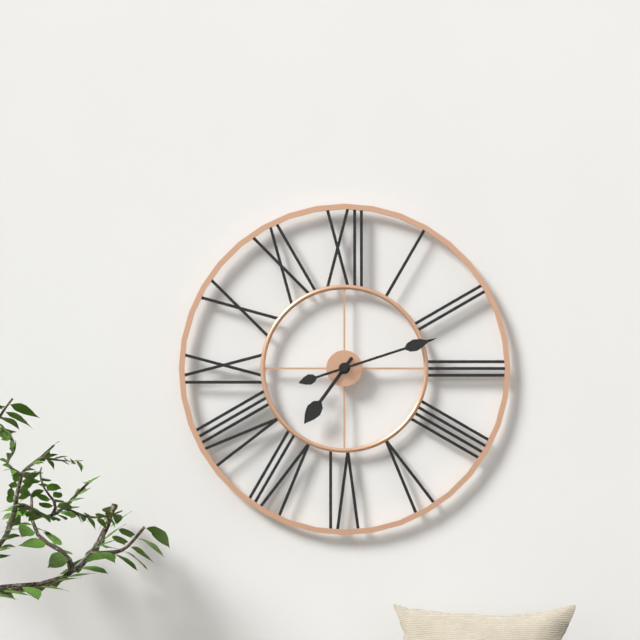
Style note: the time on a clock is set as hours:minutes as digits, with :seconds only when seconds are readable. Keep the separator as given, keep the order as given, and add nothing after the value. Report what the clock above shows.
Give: 7:12
